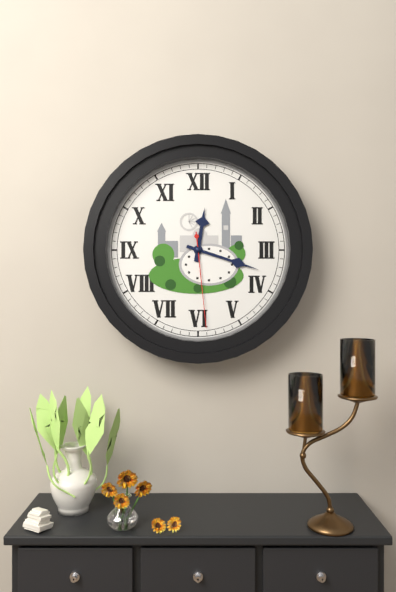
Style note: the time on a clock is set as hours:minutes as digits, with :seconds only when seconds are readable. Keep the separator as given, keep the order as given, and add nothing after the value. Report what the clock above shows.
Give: 12:18:29
